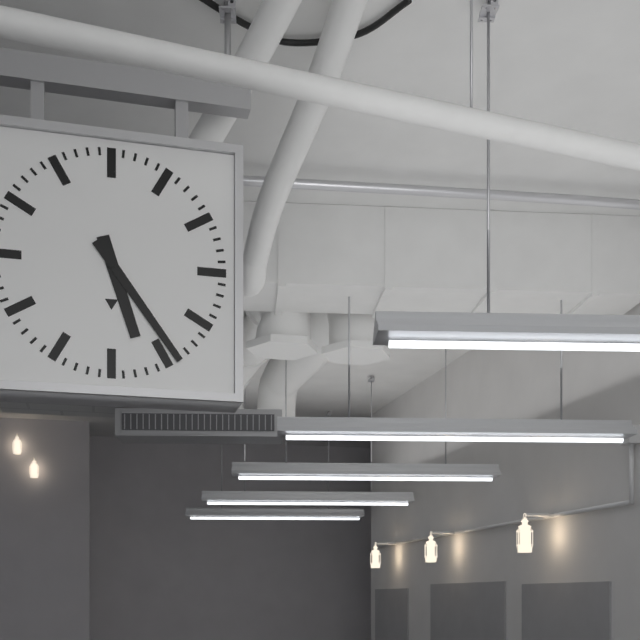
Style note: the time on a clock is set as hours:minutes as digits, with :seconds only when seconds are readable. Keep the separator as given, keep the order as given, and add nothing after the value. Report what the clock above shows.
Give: 5:24
